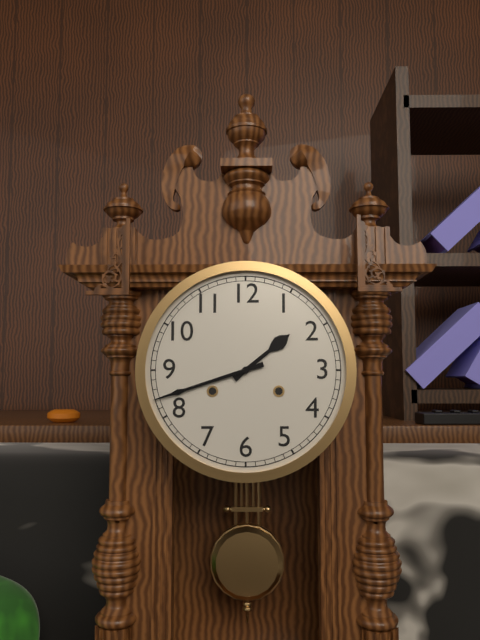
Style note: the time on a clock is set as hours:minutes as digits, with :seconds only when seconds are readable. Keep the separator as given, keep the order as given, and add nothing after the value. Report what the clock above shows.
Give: 1:42
